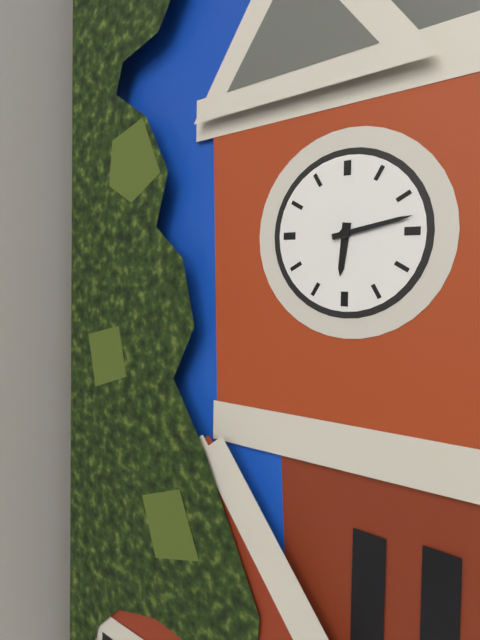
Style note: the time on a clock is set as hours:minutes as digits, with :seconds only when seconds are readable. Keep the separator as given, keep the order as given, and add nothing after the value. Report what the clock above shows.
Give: 6:13
